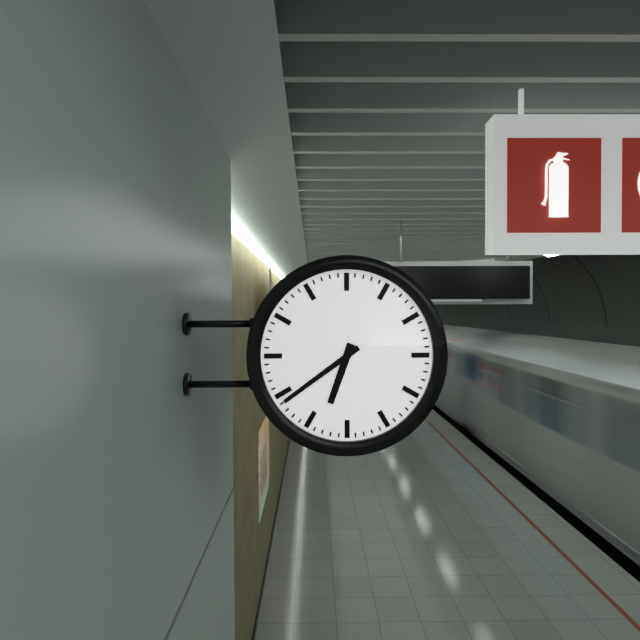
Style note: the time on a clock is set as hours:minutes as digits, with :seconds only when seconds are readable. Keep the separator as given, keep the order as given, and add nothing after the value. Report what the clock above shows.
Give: 6:39
